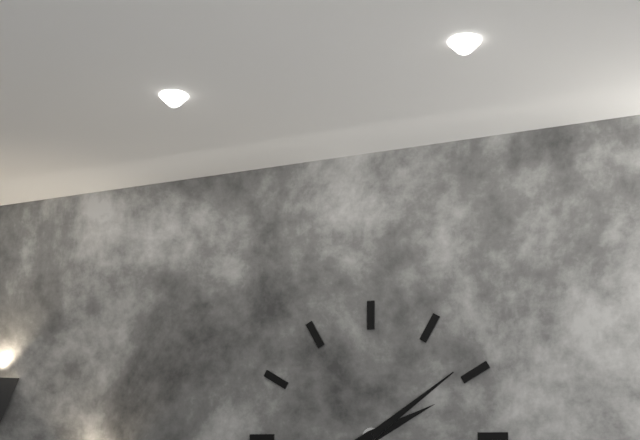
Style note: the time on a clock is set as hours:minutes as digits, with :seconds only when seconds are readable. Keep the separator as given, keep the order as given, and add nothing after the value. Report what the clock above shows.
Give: 2:09
